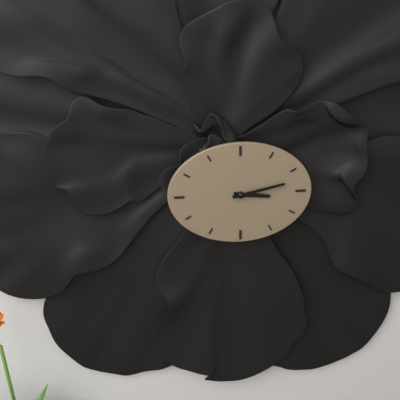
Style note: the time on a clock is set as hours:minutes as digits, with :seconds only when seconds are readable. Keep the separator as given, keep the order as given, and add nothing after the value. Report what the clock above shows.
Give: 3:13
